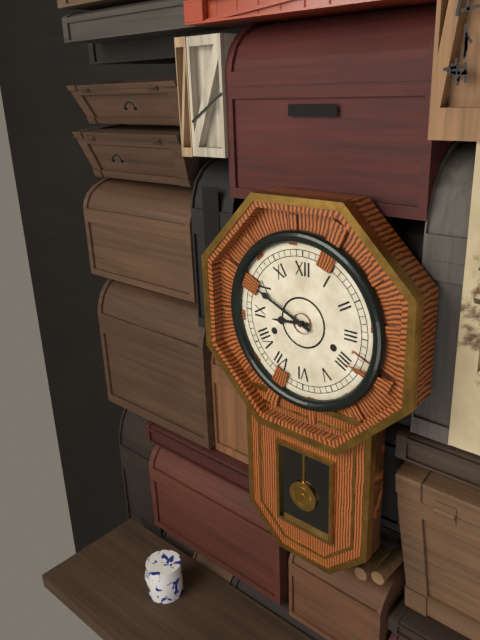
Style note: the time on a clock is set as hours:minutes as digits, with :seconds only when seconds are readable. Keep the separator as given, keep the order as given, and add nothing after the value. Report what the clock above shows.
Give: 8:49
